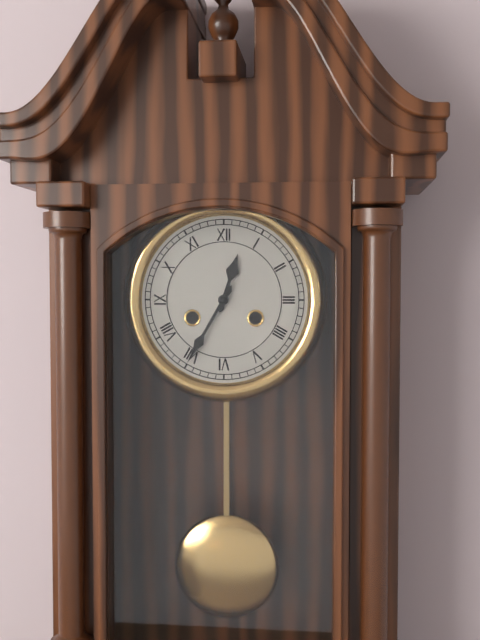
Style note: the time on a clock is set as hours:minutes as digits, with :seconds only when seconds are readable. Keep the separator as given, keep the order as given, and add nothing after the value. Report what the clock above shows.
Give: 12:35
